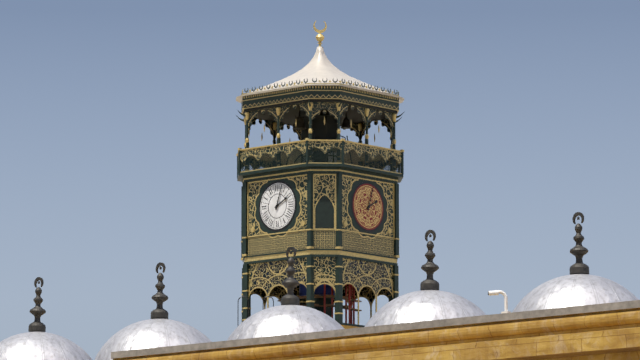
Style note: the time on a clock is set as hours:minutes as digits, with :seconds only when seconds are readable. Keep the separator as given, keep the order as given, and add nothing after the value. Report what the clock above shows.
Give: 2:03
